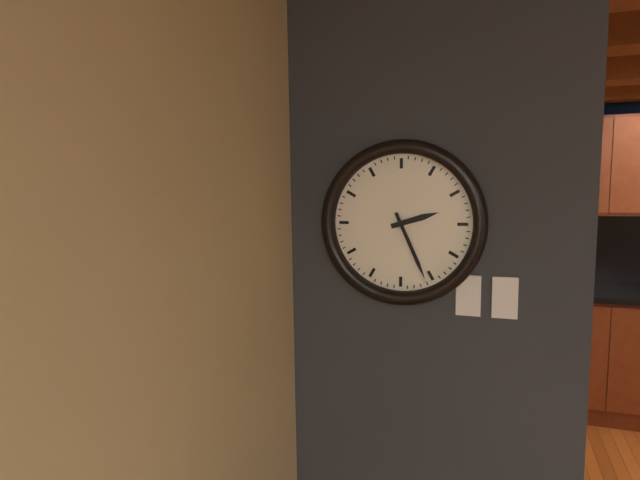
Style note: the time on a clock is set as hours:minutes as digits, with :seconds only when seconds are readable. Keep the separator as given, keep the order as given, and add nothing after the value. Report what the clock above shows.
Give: 2:26
